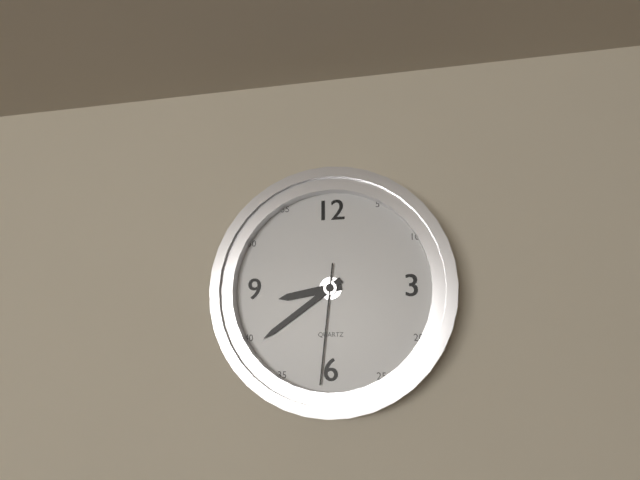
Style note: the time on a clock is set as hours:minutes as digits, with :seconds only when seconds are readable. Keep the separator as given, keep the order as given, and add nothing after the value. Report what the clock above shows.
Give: 8:39:31
